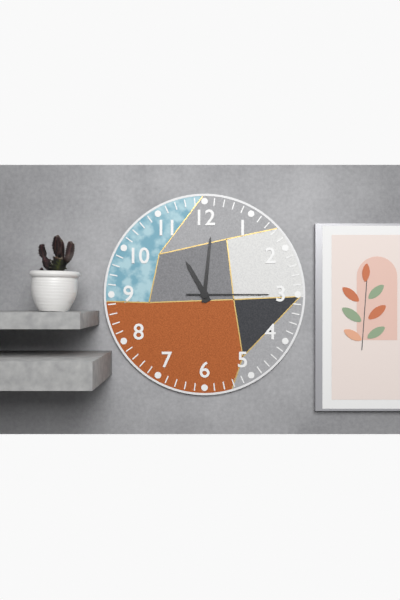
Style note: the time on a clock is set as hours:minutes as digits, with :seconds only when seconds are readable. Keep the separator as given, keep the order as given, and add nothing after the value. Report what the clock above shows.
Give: 11:01:15
